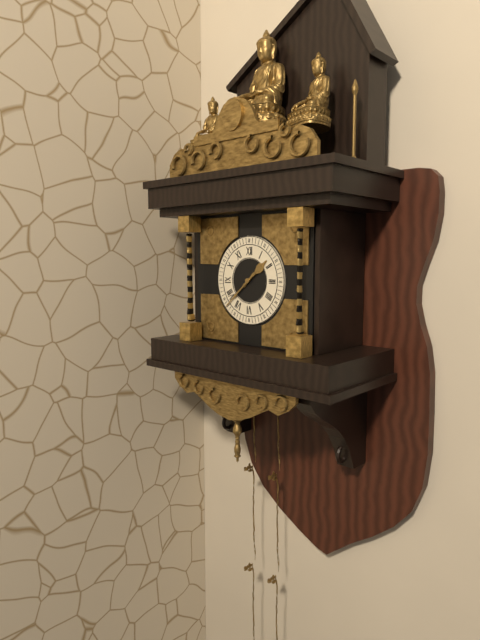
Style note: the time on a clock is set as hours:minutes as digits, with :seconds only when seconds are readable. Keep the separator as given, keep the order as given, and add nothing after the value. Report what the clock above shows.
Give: 1:38
